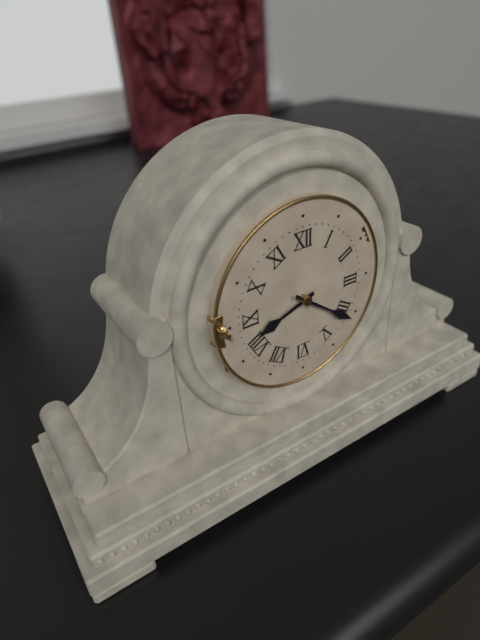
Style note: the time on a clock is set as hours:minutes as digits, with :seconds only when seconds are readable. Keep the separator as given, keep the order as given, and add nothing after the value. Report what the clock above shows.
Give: 8:21
